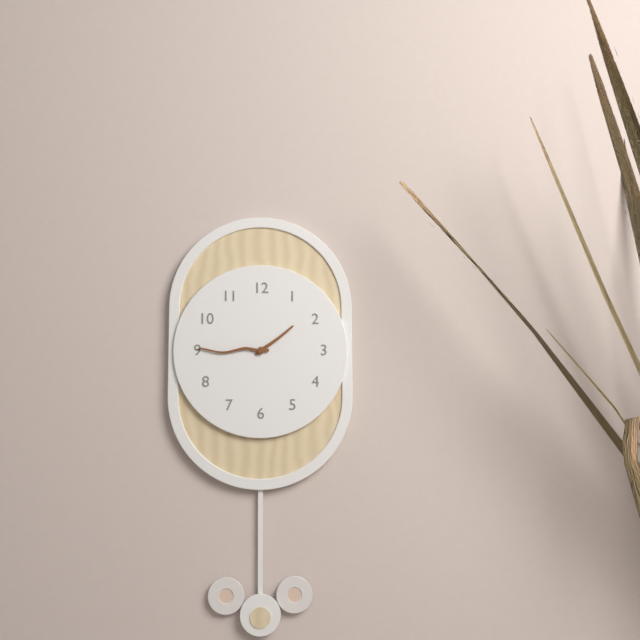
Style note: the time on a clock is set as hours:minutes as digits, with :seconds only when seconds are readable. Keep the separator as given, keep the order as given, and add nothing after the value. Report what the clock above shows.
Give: 1:45
